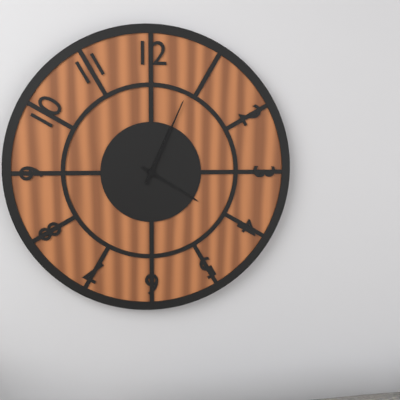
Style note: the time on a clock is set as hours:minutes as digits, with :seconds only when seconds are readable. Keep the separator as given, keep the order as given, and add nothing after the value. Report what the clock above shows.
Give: 4:04
